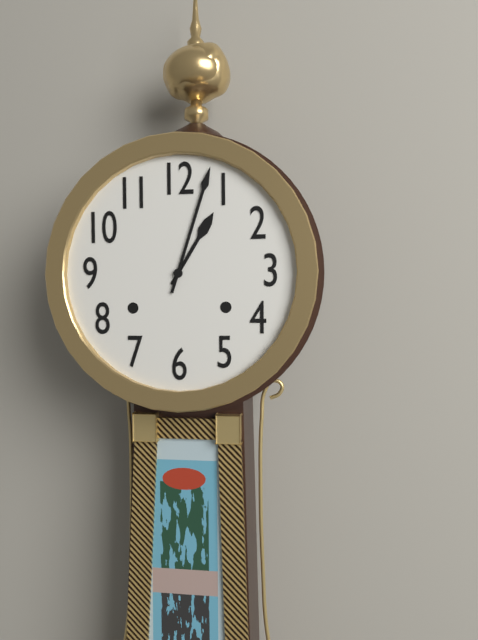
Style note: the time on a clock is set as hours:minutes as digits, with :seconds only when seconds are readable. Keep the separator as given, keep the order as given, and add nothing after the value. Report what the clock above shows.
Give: 1:03
